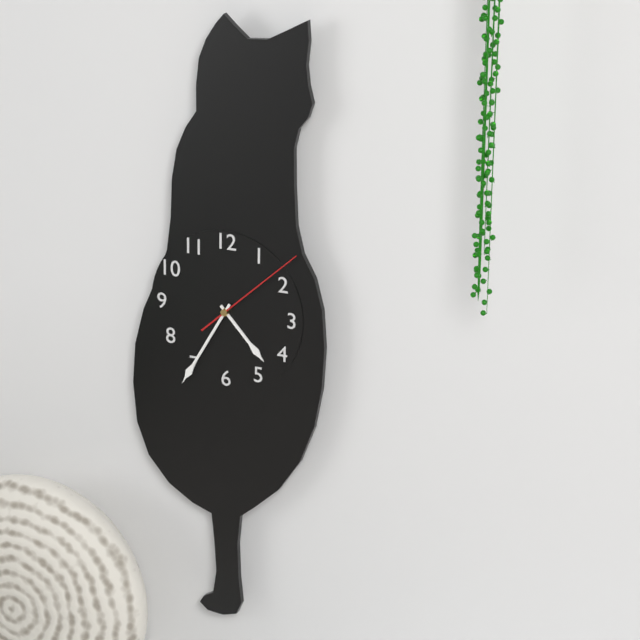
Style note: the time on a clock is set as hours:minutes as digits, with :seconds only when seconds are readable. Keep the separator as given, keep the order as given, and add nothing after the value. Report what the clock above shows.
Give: 4:35:08
